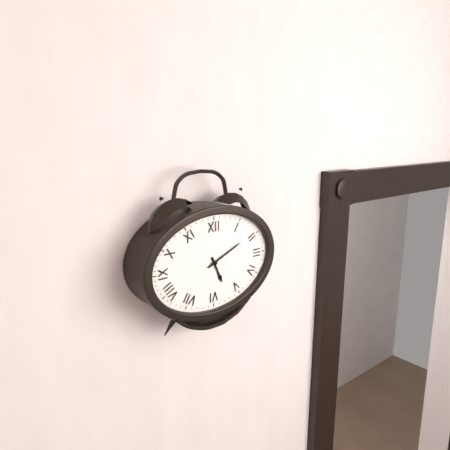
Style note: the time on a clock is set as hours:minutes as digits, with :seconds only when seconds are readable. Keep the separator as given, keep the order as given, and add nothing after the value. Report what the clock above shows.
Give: 5:11
